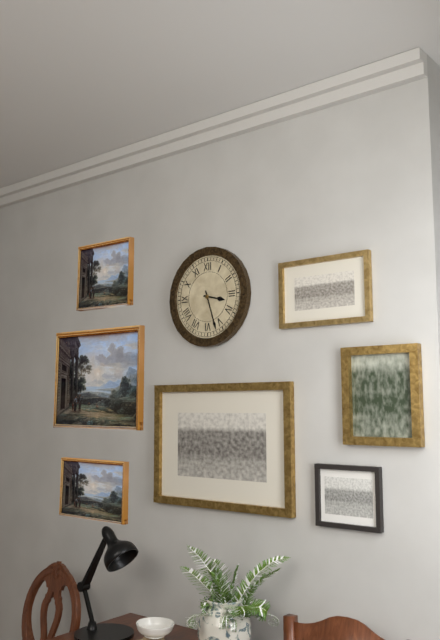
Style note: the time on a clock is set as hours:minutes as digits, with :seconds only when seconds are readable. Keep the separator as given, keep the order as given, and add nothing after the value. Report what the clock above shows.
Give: 3:27
